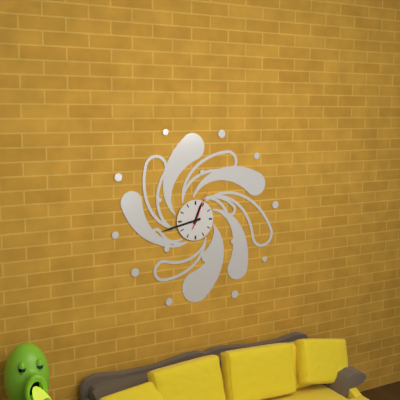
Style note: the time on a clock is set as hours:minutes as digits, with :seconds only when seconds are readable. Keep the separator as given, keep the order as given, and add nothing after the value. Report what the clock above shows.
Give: 12:43
